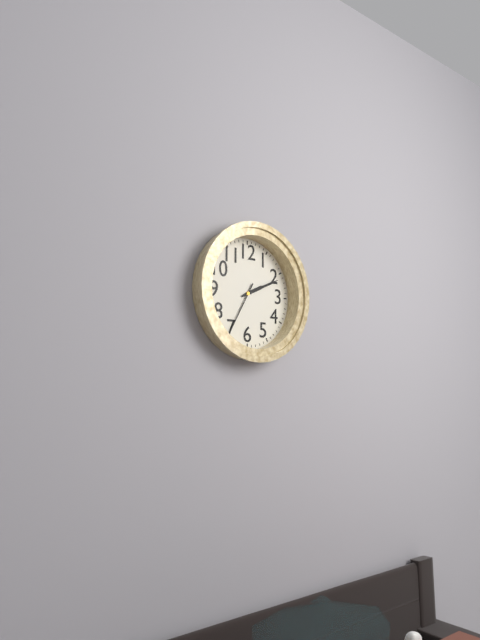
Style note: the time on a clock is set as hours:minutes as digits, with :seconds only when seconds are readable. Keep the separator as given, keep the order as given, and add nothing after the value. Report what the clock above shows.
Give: 2:11:35
